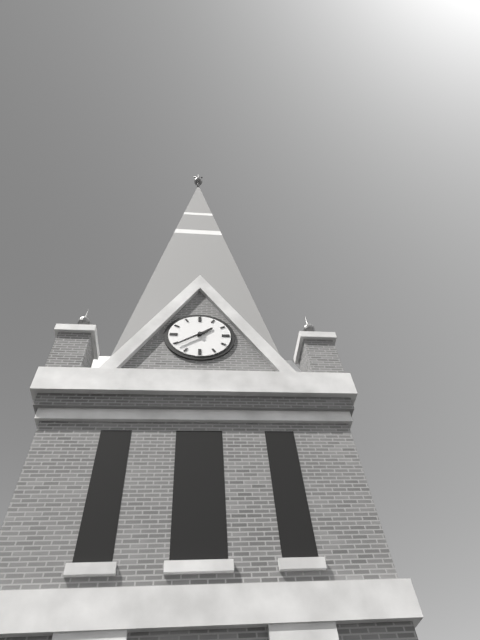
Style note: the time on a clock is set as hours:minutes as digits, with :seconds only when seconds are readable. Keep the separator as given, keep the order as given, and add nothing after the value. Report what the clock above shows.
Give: 1:39
